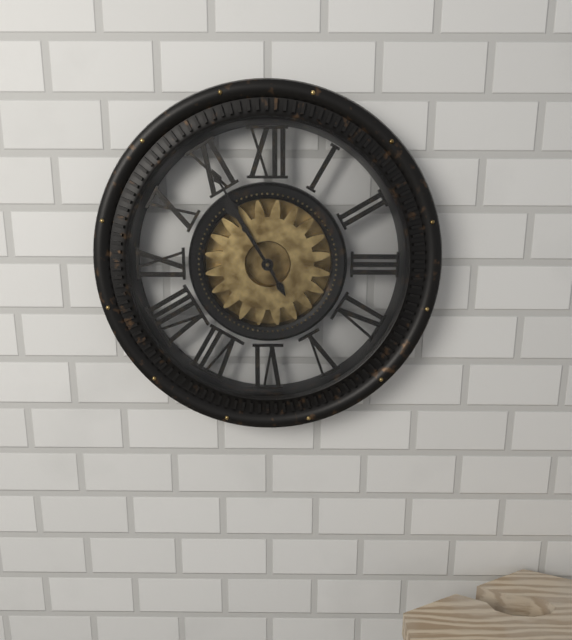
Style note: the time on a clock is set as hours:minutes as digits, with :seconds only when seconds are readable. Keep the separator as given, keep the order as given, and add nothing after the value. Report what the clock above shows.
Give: 10:55
